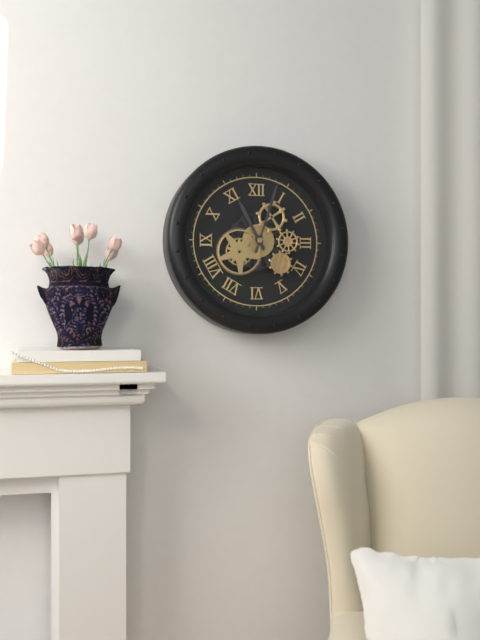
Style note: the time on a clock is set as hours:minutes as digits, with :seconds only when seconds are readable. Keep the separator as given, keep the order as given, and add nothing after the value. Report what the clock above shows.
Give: 11:03
